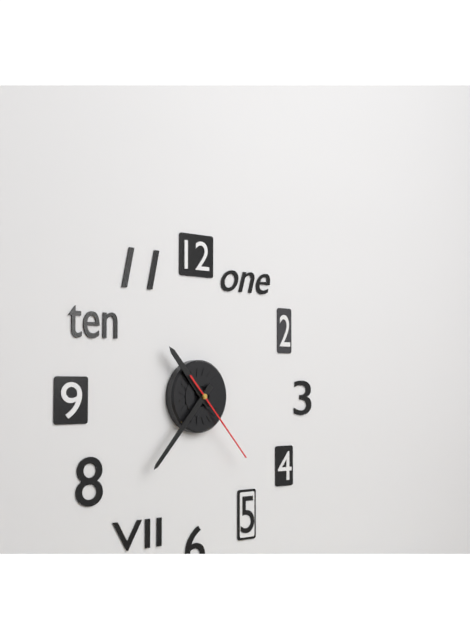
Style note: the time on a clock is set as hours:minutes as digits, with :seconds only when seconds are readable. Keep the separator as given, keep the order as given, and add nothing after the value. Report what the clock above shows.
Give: 10:37:23
